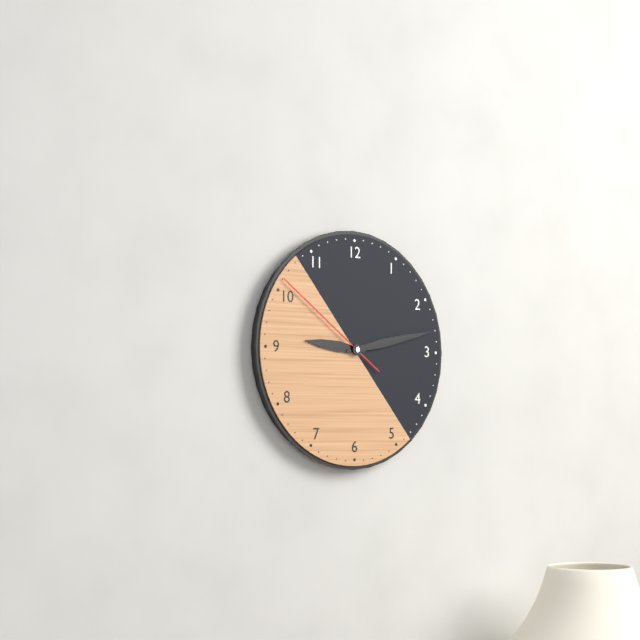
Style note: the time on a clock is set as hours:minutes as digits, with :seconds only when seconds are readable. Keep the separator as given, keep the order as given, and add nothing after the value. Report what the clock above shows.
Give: 9:13:51
